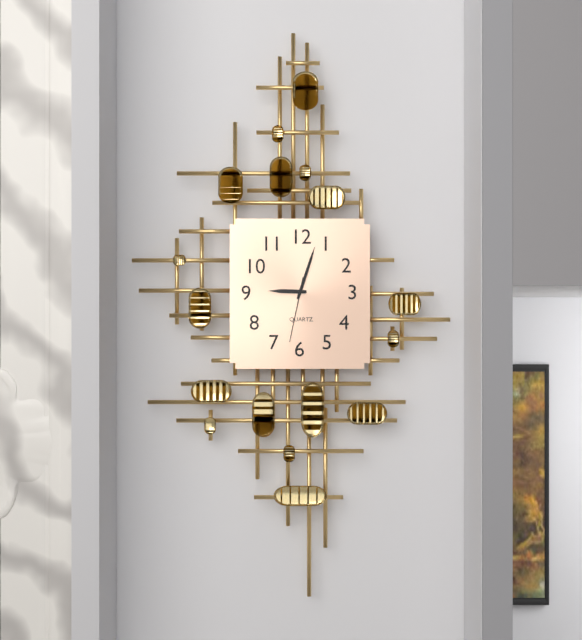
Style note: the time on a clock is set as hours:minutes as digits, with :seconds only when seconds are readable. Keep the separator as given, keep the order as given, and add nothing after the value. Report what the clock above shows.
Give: 9:03:32
